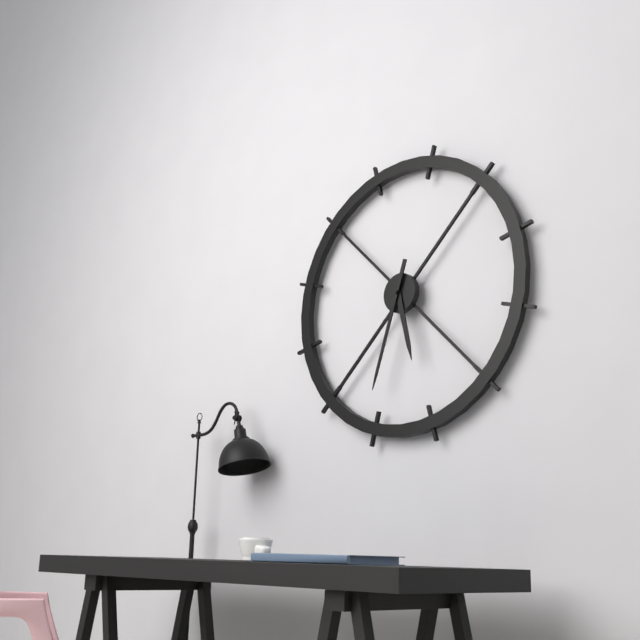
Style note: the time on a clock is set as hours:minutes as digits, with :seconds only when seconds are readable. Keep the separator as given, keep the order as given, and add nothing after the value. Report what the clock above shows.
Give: 5:33
